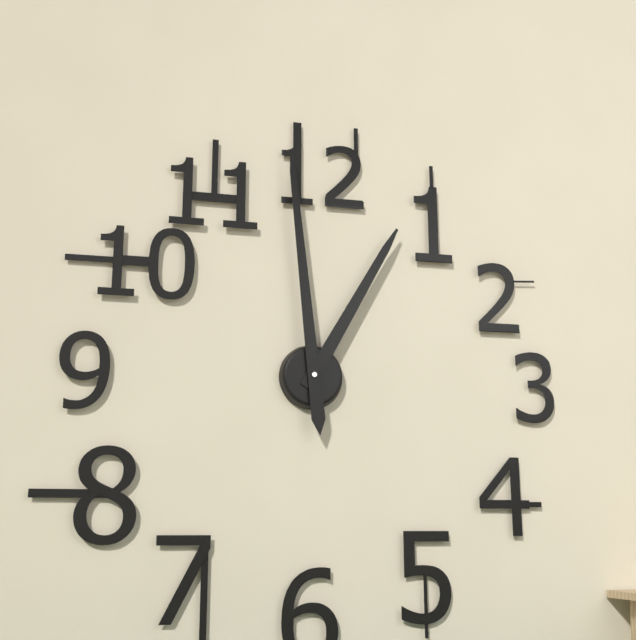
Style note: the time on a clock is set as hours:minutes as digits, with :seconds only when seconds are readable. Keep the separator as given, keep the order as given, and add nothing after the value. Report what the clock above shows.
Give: 12:59
